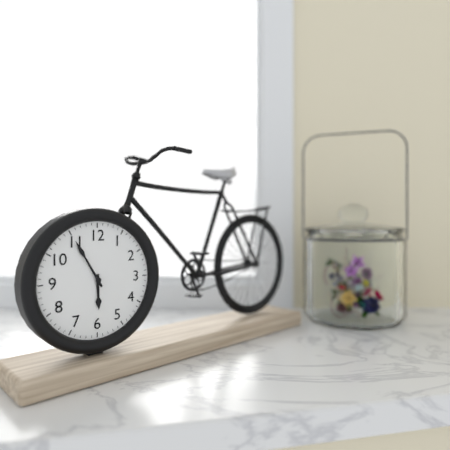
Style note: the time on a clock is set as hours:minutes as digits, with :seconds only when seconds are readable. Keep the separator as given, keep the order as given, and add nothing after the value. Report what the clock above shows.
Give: 5:55
